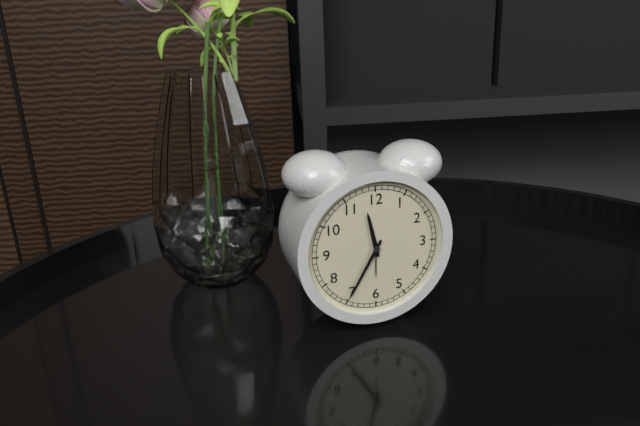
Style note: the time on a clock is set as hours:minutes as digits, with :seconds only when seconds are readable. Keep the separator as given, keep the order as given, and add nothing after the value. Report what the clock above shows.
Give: 11:35
